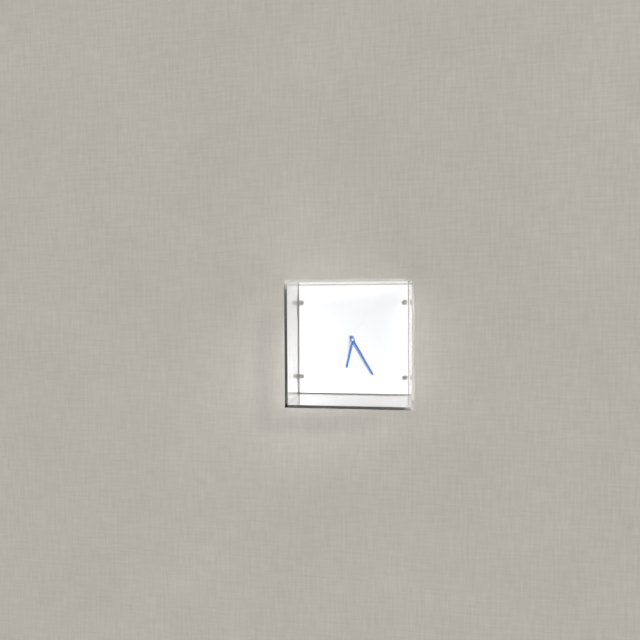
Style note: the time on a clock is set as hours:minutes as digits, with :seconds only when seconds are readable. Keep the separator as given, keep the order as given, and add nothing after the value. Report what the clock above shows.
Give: 6:25:05
